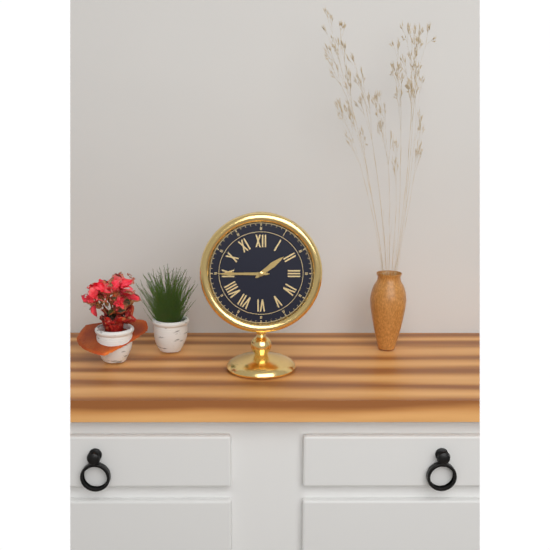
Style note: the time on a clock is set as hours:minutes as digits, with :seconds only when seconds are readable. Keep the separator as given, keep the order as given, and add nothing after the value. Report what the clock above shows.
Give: 1:45
